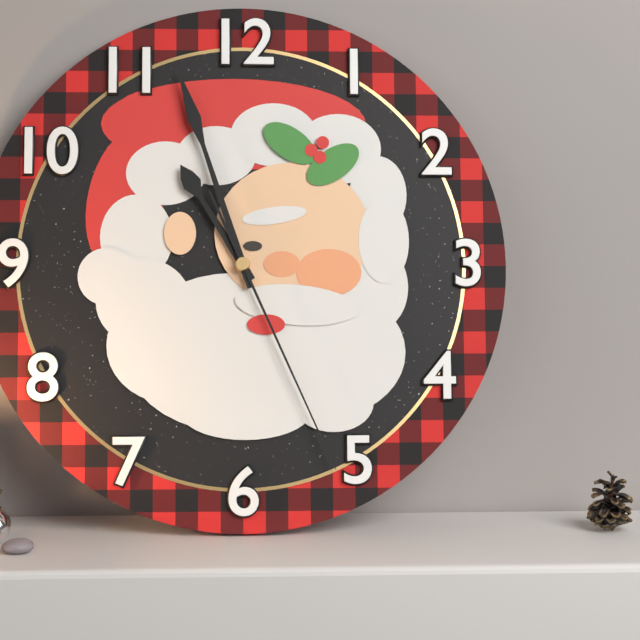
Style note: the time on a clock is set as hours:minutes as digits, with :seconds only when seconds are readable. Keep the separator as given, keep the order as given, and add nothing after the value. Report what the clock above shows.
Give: 10:57:26
